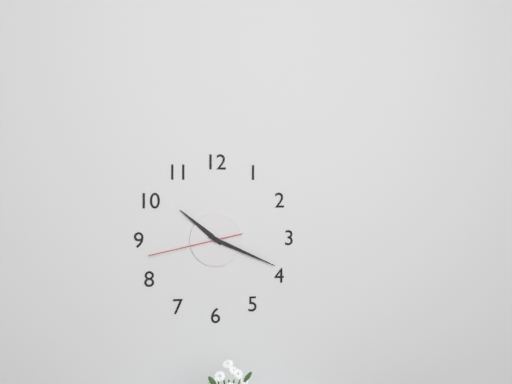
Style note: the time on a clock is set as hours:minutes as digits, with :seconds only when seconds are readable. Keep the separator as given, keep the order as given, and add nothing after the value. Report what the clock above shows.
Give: 10:19:43
